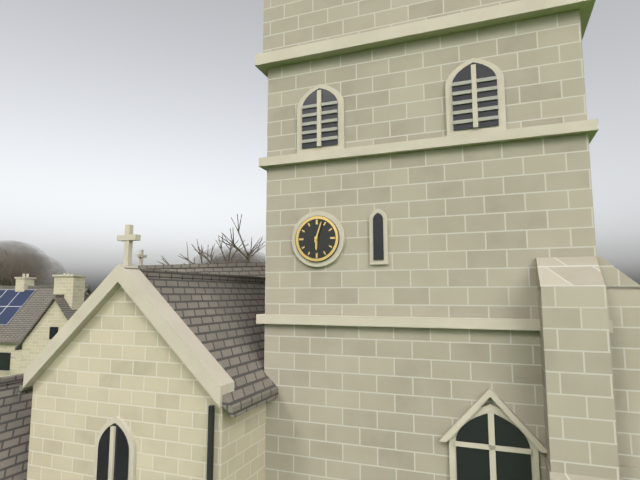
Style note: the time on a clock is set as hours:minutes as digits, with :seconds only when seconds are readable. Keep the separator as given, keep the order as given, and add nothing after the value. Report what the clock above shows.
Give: 6:03
